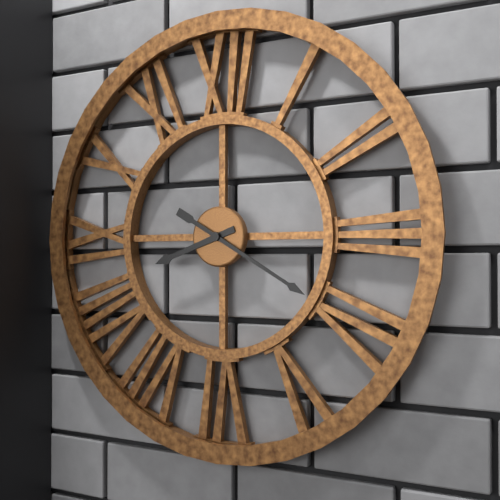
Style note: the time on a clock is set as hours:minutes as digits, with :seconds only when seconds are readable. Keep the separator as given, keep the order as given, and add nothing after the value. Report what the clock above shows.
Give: 8:20
